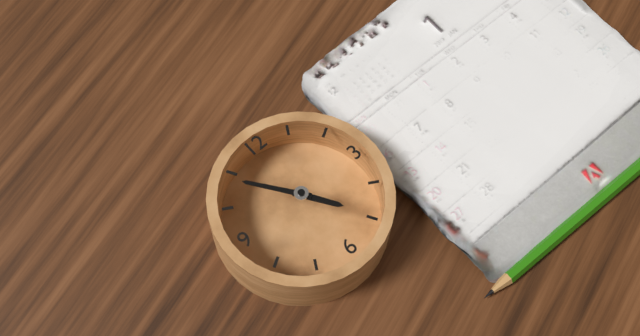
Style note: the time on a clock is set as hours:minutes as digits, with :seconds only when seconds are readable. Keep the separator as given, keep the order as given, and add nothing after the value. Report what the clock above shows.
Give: 4:54
